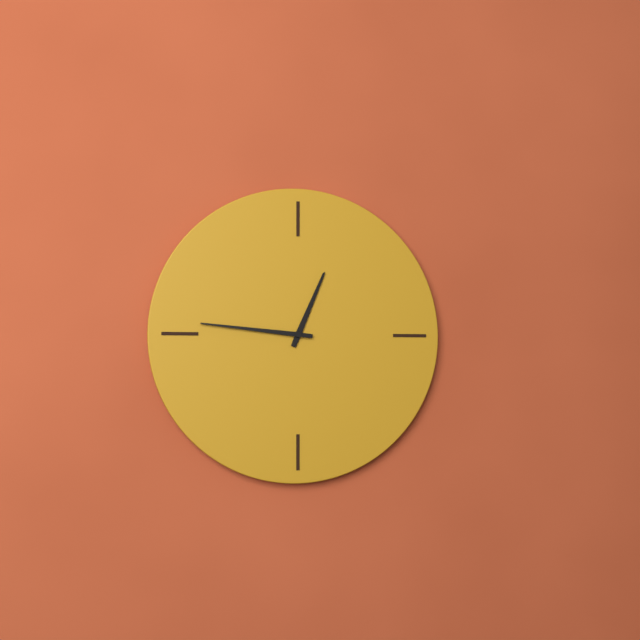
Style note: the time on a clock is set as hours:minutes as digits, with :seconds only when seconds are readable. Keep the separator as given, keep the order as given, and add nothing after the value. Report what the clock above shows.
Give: 12:46
